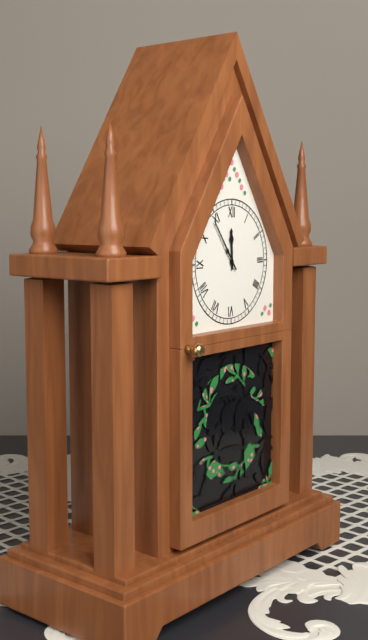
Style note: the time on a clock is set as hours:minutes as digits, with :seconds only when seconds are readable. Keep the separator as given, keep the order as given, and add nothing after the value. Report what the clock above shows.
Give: 11:54
